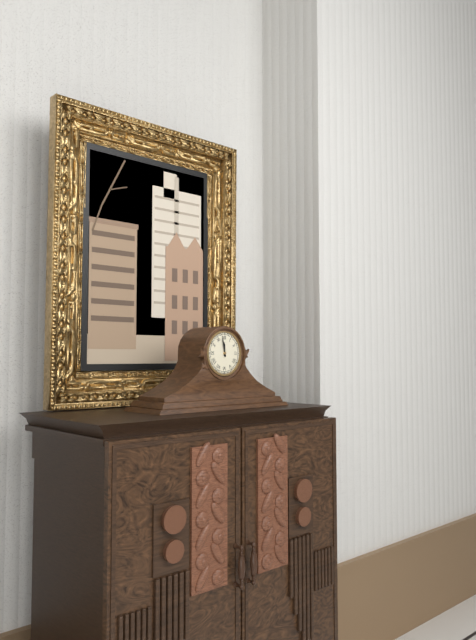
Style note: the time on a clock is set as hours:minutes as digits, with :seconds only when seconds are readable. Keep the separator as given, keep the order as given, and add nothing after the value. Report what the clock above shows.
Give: 11:58
